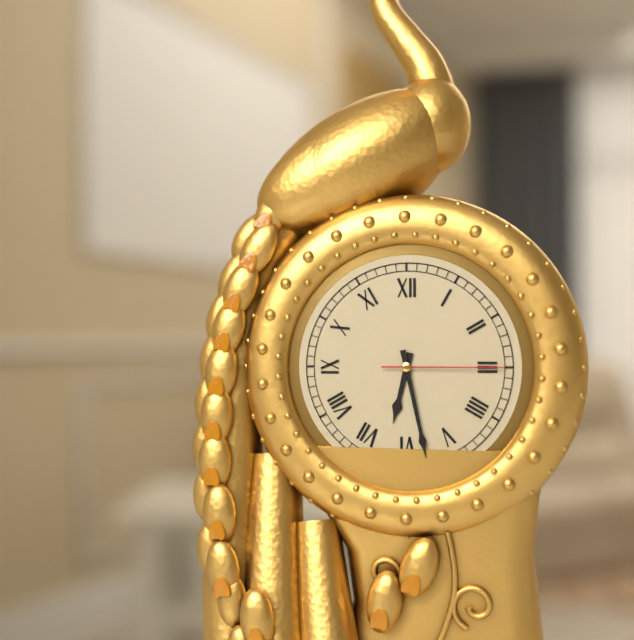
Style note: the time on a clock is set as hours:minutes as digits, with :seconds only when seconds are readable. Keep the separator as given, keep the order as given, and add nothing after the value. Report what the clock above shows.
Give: 6:28:15
